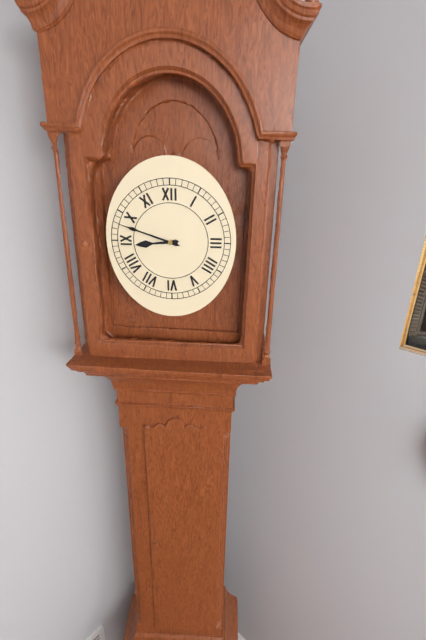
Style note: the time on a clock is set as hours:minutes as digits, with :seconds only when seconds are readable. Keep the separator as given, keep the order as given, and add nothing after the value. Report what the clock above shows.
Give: 8:48
